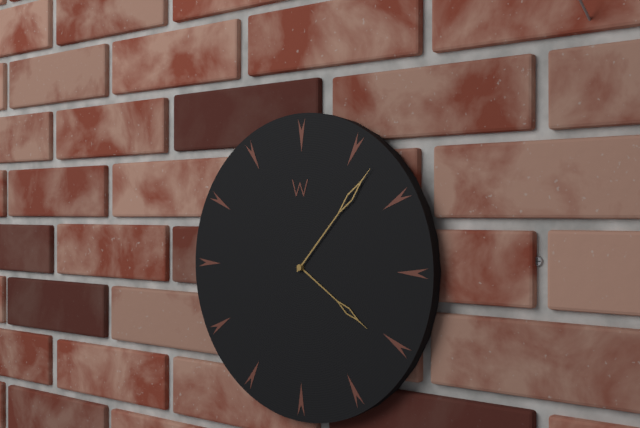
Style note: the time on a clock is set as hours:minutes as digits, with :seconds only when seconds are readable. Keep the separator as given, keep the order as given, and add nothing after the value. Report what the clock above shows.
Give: 4:07
